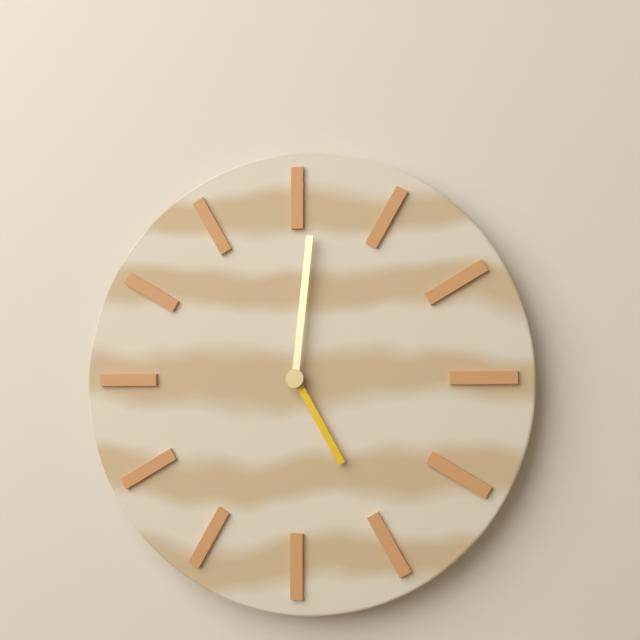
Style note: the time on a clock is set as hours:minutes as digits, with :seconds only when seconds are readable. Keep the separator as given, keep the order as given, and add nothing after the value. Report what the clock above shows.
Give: 5:01
